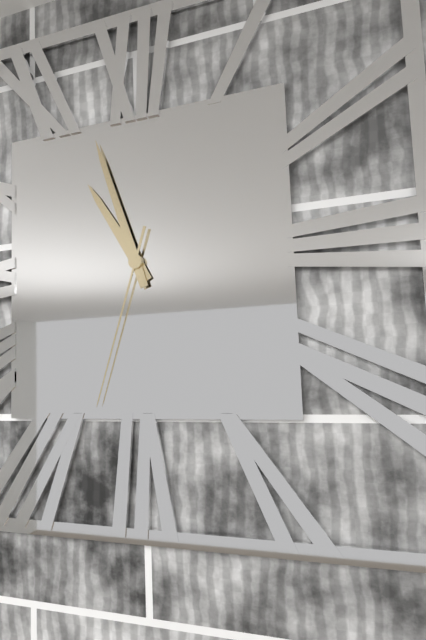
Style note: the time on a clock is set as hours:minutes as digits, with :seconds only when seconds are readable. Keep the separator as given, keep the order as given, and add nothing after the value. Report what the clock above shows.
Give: 10:57:33
